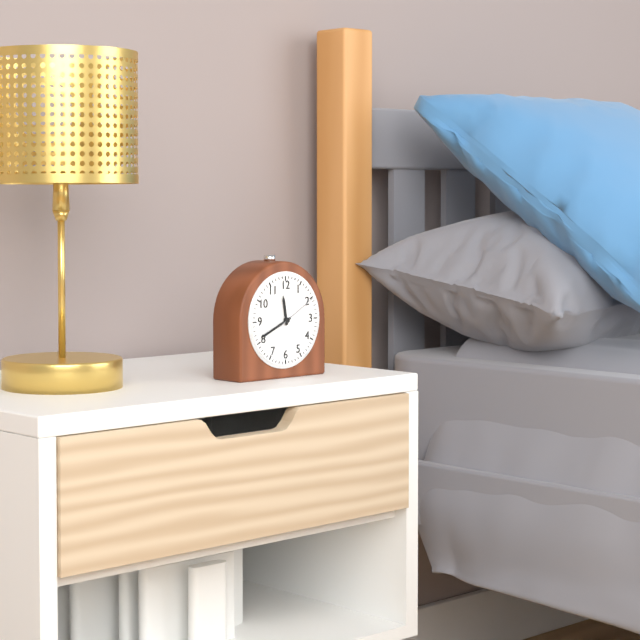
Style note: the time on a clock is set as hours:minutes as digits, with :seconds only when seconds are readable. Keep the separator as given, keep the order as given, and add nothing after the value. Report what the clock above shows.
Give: 11:41
